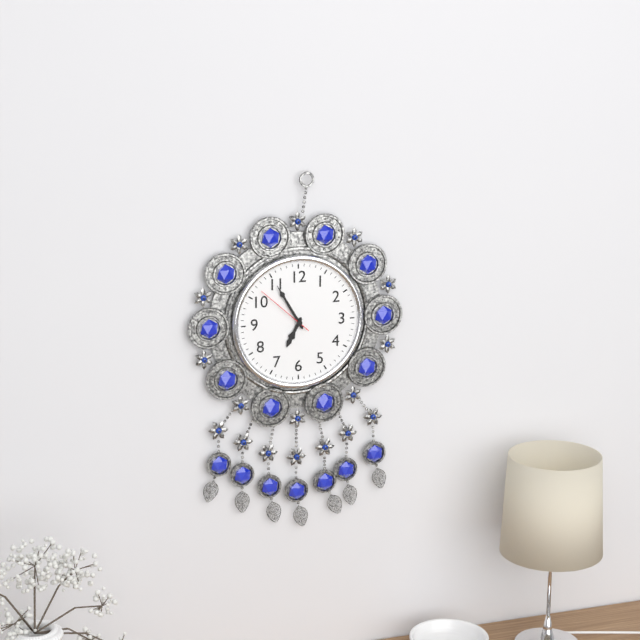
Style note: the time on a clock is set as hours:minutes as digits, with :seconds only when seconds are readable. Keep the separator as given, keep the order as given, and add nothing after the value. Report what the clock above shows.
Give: 6:55:52
